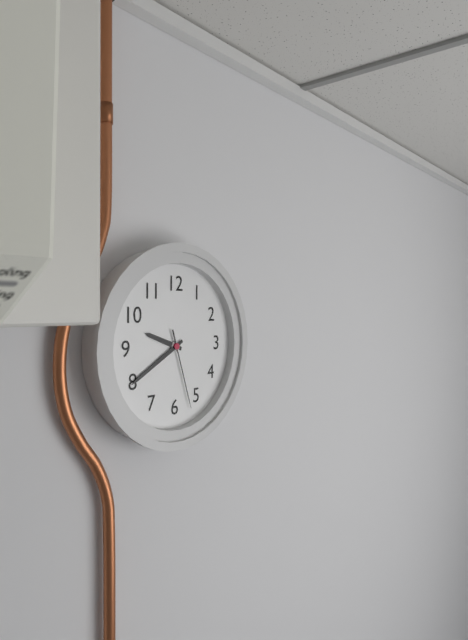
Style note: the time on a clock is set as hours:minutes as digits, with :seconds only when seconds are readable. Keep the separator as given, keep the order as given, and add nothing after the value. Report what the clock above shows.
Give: 9:40:27
